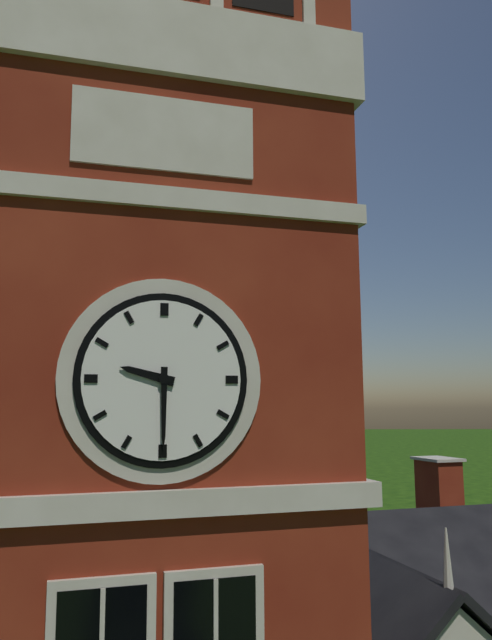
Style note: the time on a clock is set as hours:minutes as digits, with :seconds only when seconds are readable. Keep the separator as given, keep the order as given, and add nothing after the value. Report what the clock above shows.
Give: 9:30
